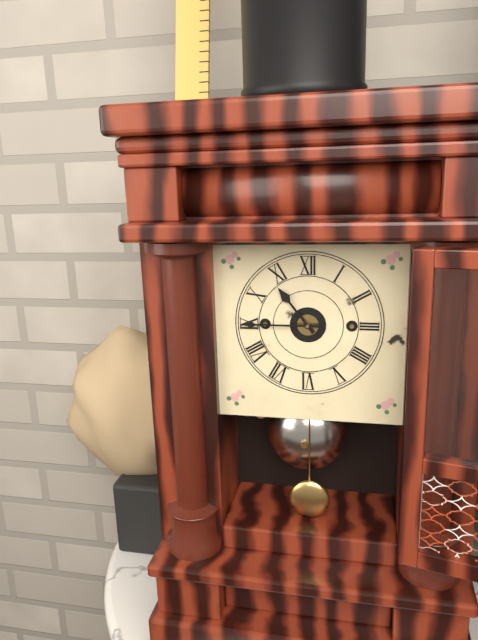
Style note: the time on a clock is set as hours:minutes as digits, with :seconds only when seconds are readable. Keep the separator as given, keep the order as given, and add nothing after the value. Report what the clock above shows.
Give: 10:45
